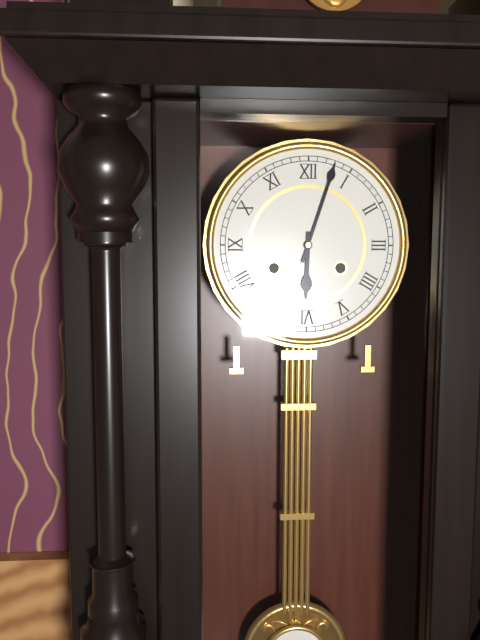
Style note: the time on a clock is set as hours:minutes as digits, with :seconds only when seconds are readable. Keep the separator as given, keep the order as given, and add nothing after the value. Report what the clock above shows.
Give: 6:03
